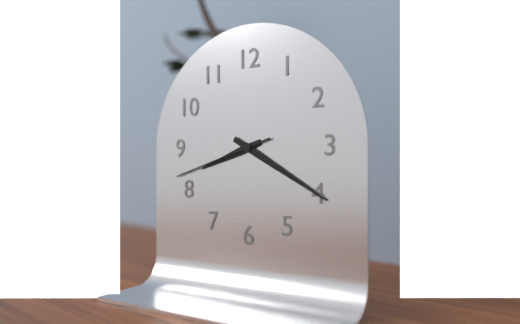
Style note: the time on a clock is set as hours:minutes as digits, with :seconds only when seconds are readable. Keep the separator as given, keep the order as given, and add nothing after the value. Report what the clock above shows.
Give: 8:20:42
